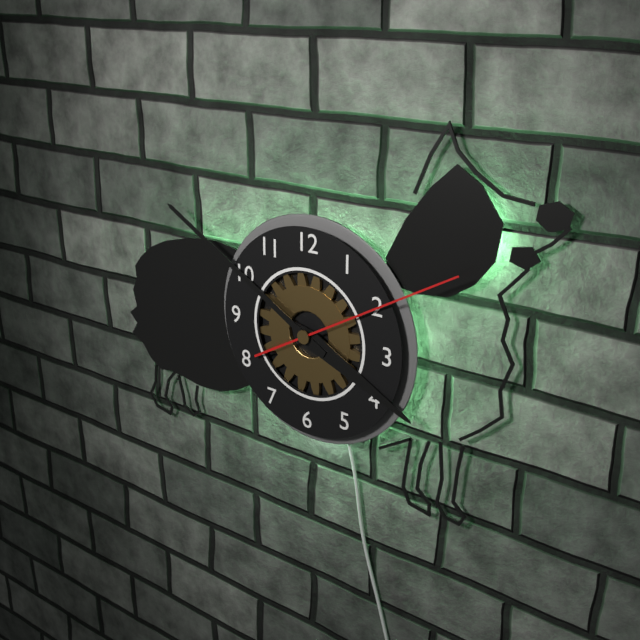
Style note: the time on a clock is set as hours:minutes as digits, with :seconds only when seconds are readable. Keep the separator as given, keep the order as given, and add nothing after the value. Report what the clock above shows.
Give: 3:50:10
